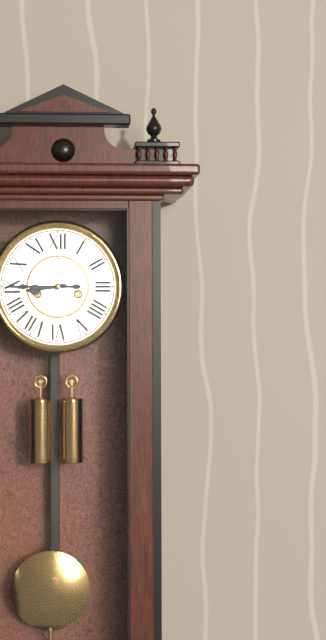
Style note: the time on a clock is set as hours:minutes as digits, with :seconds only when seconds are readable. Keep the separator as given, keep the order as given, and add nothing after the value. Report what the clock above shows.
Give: 8:45
